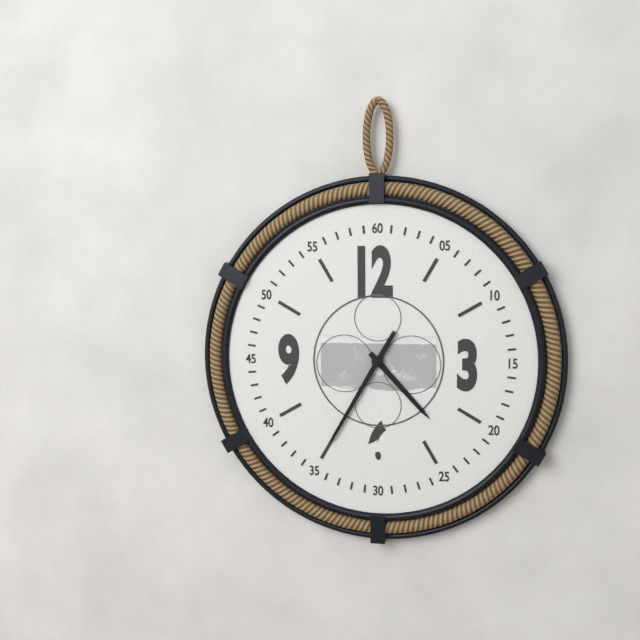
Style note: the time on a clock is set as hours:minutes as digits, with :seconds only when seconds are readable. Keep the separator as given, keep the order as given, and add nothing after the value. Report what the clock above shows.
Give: 4:35
